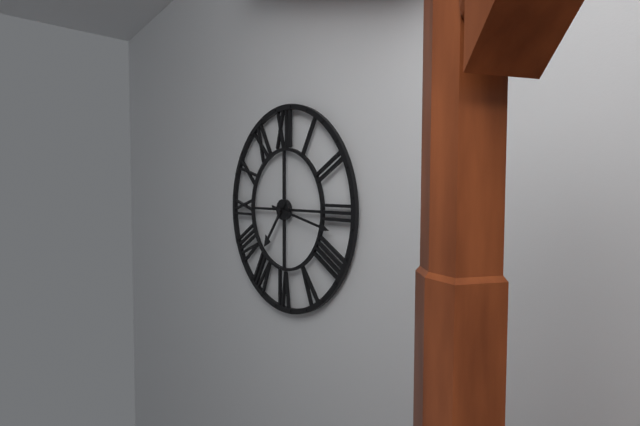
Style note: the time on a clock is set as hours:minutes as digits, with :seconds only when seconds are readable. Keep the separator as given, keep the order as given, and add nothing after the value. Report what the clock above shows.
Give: 7:17
